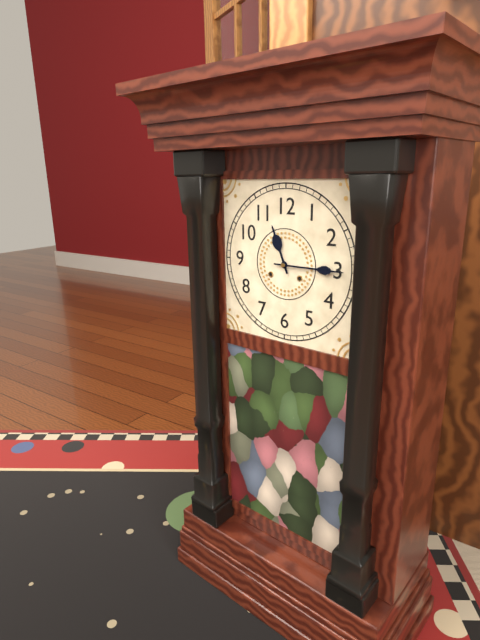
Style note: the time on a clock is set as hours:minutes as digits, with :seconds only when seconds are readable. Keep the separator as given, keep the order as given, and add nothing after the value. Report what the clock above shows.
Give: 11:15
